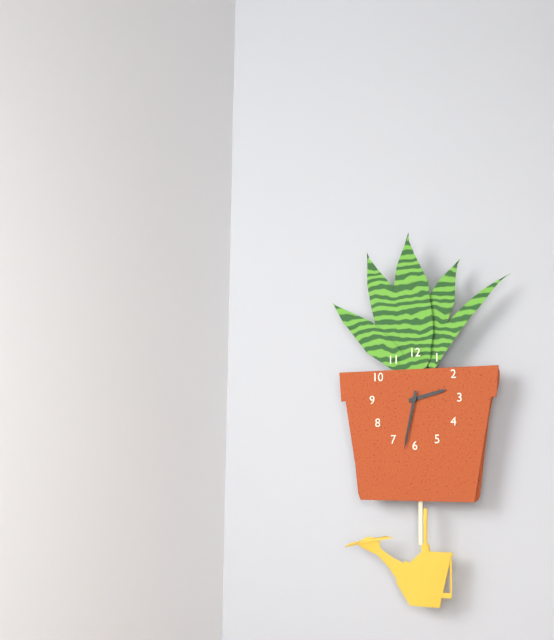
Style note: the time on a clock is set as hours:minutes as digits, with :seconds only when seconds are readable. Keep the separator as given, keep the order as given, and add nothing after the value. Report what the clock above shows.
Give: 2:32
